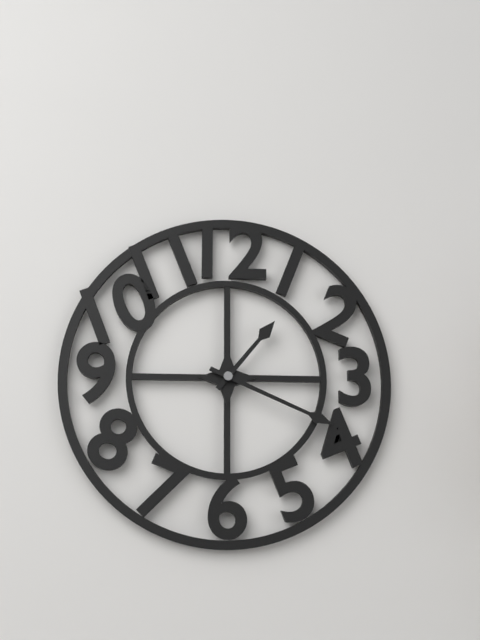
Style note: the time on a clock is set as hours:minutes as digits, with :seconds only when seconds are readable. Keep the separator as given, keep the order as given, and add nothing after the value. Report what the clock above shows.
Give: 1:19
